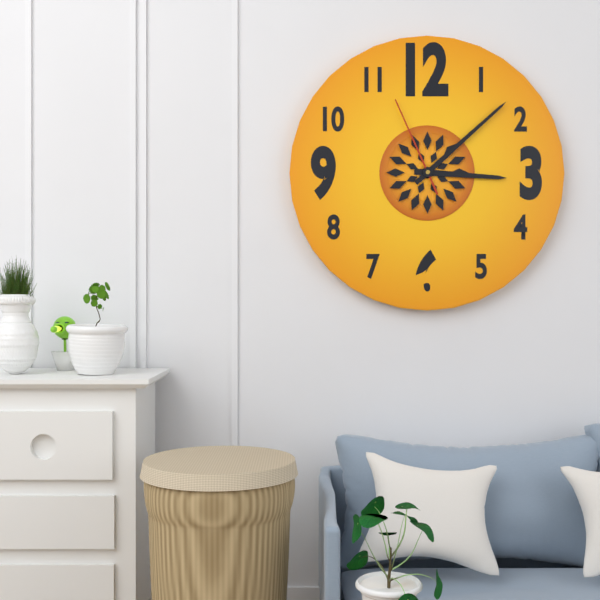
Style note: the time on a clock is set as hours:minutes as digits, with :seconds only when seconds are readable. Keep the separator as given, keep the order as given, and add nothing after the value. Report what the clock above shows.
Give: 3:08:56
